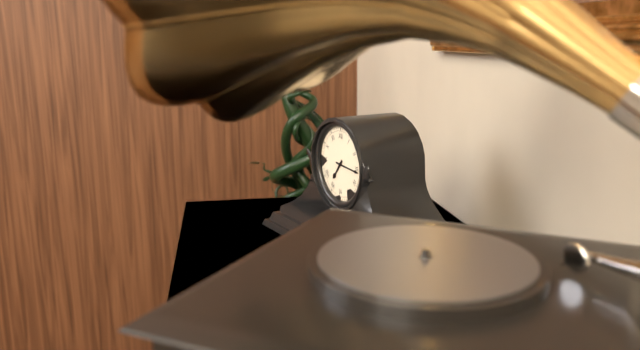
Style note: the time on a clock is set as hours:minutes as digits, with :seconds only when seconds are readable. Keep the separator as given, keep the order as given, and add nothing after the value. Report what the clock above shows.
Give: 7:16
